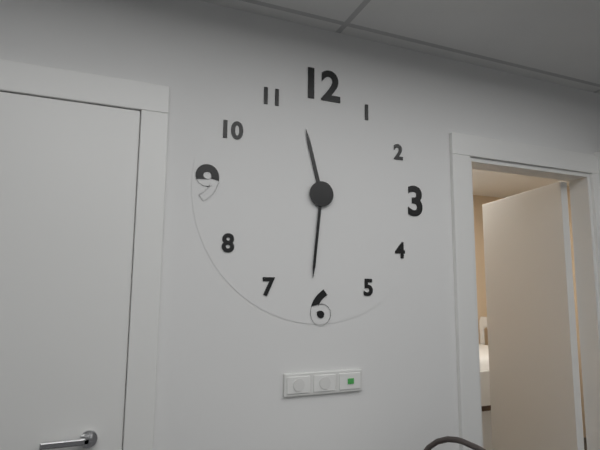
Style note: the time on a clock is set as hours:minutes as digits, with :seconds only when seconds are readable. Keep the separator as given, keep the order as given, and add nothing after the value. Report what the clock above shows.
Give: 11:31
